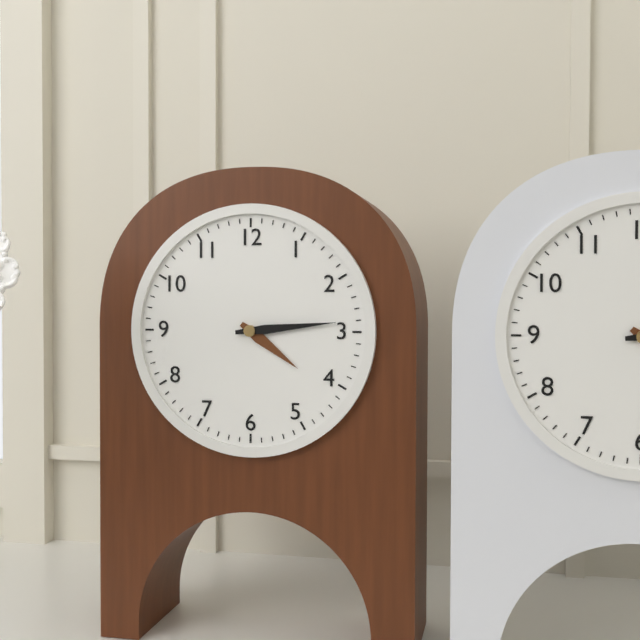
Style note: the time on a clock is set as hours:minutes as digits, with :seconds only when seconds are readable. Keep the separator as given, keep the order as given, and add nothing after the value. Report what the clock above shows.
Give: 4:14
